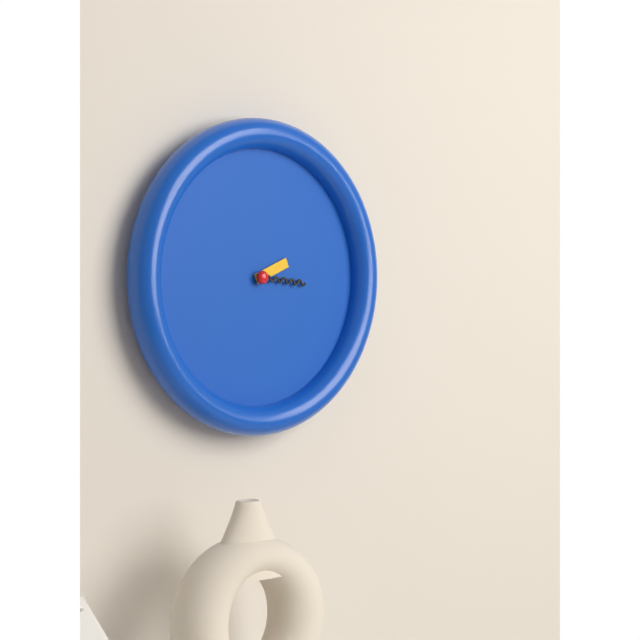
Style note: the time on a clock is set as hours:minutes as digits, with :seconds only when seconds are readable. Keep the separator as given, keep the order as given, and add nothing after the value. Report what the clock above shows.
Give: 2:16
